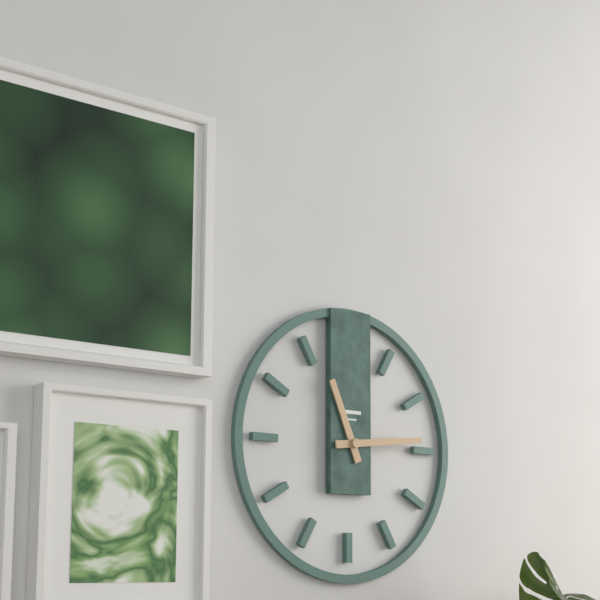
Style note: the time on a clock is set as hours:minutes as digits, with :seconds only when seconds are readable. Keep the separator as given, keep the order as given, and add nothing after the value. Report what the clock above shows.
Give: 11:14
